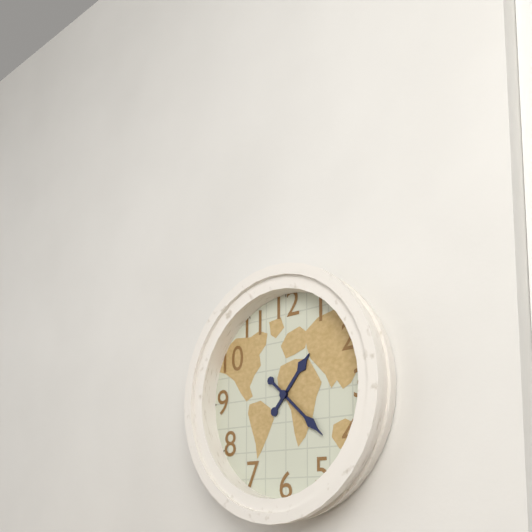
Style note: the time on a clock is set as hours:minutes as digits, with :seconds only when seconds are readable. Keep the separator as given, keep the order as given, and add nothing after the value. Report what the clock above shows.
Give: 1:22
